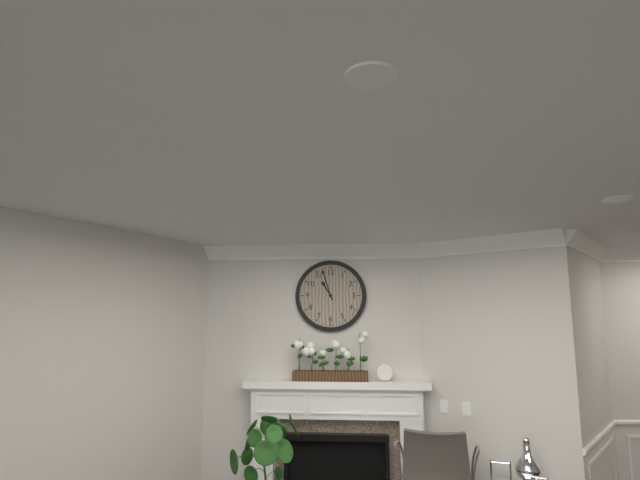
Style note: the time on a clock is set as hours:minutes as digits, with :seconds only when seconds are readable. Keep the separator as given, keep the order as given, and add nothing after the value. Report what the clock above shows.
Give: 10:57
